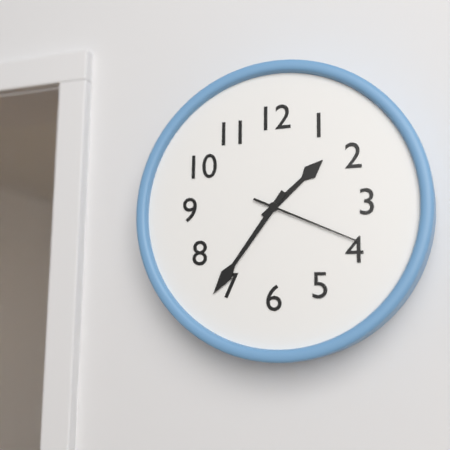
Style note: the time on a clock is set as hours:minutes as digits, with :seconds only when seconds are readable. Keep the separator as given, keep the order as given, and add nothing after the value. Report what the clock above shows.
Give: 1:36:19
